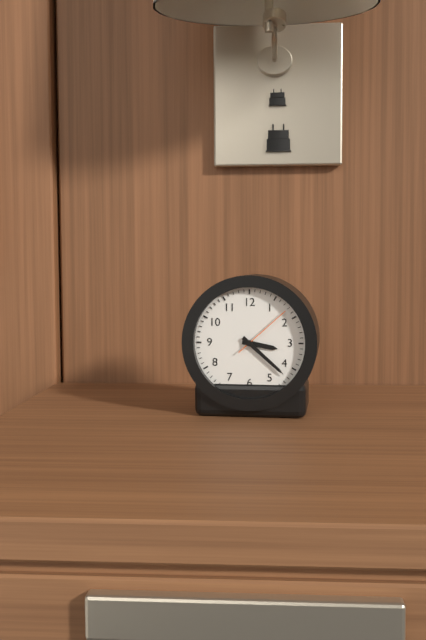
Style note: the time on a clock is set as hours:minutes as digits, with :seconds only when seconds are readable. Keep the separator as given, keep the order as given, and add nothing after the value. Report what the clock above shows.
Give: 3:22:08
